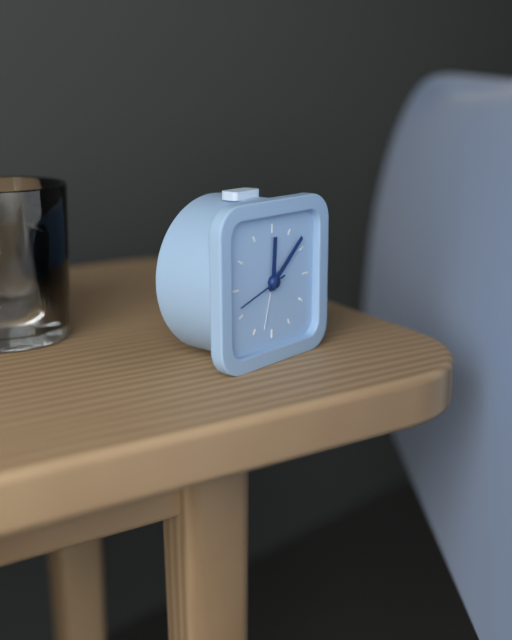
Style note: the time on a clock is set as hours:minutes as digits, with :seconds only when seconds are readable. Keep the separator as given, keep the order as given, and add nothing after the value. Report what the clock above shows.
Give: 12:08:42
